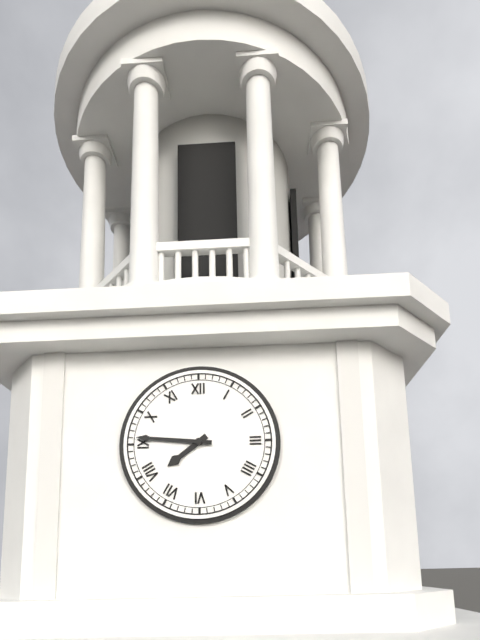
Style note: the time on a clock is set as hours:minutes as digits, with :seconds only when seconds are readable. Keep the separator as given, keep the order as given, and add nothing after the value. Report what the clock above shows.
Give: 7:46
